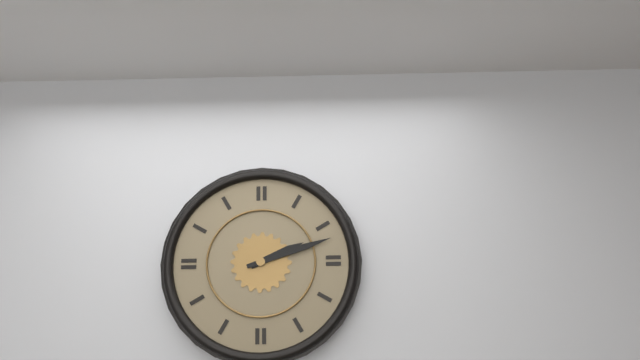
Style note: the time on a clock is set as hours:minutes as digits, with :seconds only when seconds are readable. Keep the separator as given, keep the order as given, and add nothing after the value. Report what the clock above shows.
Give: 2:12
